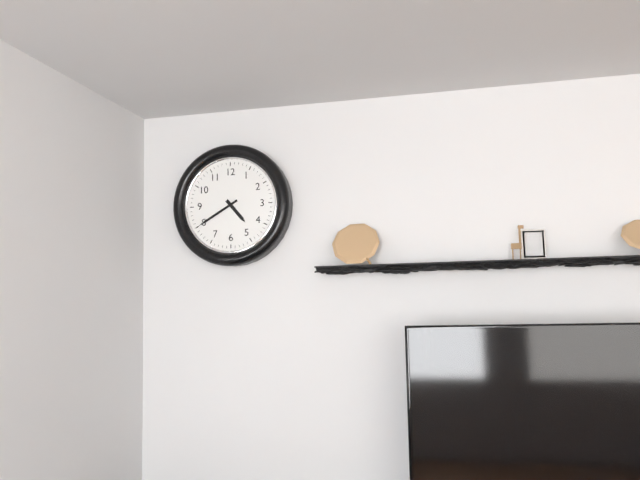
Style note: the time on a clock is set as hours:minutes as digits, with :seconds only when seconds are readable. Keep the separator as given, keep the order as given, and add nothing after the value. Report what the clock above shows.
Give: 4:40
